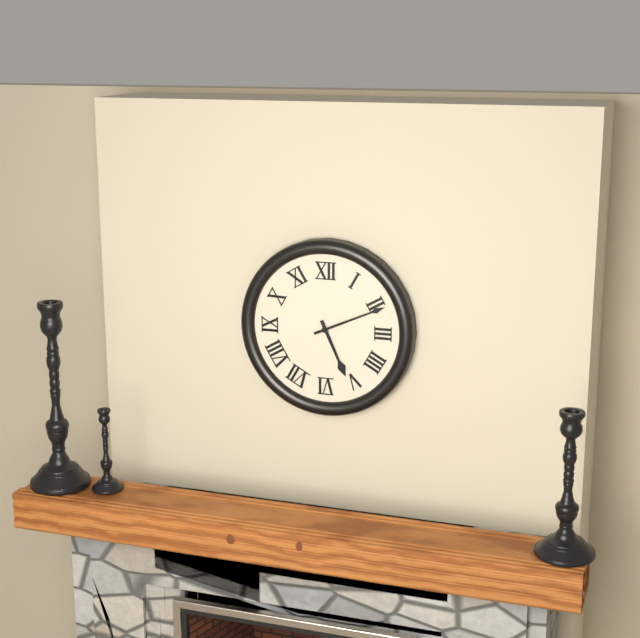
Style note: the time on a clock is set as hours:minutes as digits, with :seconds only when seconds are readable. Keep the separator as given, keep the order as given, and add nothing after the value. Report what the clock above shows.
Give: 5:11
